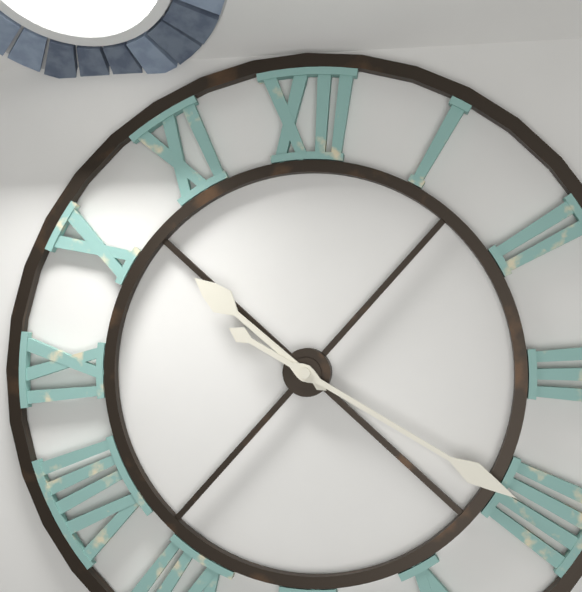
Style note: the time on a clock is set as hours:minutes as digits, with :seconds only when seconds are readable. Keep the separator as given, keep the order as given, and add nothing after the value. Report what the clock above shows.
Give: 10:20
